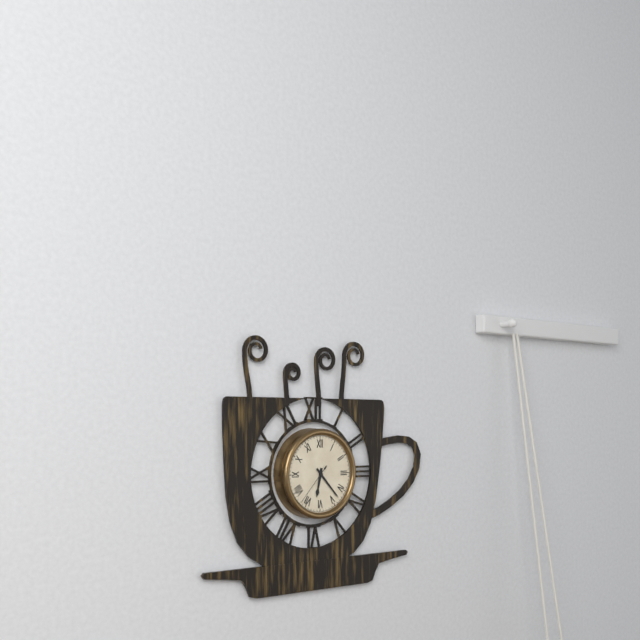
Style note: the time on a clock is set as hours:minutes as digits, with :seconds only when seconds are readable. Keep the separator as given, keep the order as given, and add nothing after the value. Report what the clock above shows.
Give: 6:23
